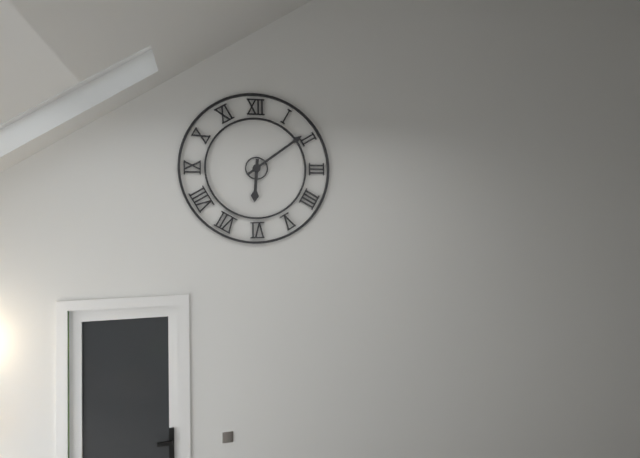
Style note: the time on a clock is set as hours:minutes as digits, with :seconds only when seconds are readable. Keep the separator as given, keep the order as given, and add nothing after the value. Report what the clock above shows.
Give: 6:09
